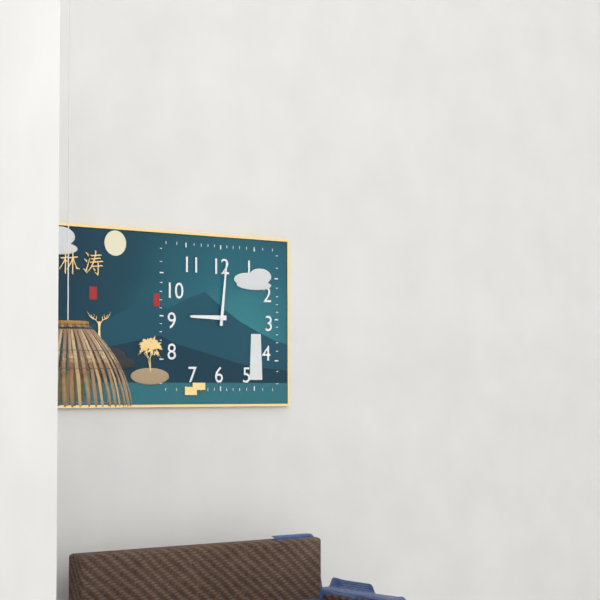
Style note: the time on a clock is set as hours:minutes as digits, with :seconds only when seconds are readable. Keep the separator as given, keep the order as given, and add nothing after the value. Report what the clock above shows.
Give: 9:01
